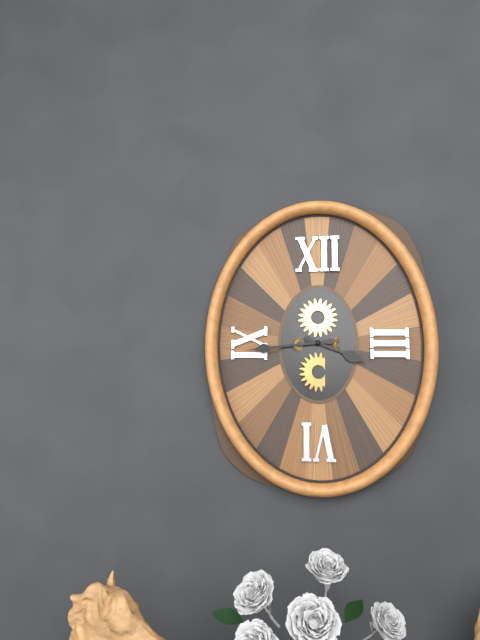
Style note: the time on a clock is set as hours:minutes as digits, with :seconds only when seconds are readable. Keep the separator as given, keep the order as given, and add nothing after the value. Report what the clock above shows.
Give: 3:44
